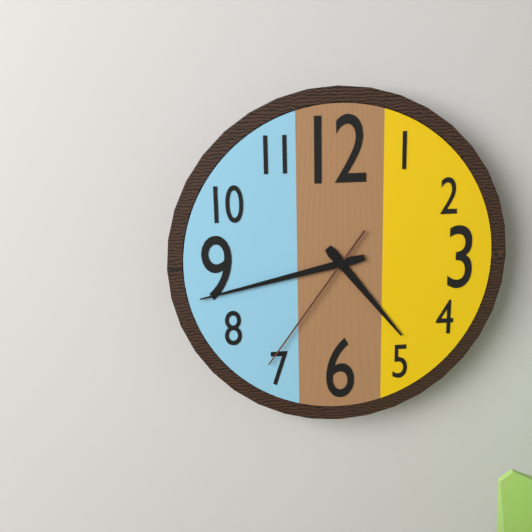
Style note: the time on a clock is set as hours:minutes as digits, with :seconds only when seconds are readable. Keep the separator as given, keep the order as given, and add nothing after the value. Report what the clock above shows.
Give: 4:43:36
